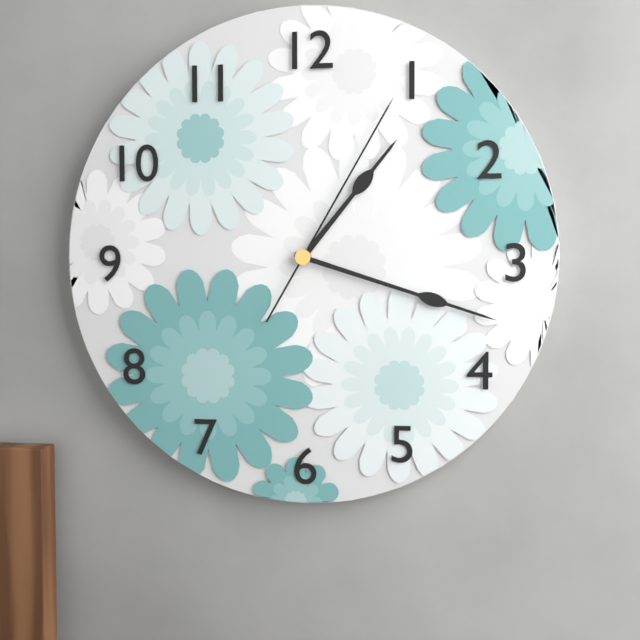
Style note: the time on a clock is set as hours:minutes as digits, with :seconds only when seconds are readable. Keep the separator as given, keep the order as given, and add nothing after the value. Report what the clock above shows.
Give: 1:18:05
